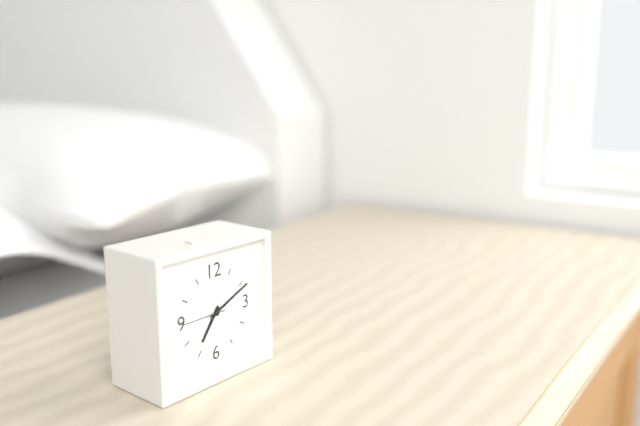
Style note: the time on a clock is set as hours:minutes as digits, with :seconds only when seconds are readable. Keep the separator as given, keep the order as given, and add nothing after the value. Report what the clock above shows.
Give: 7:11
